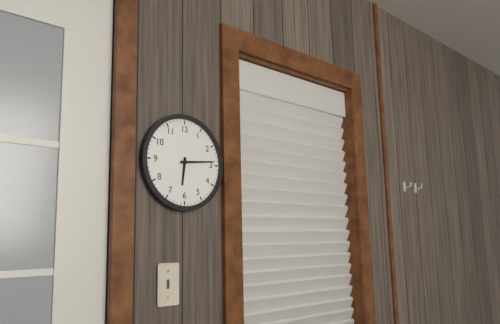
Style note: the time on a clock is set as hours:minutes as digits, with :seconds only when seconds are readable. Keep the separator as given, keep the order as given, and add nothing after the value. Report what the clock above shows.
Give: 6:14
